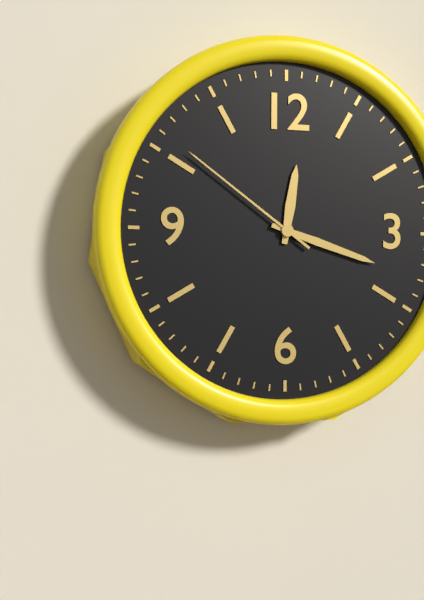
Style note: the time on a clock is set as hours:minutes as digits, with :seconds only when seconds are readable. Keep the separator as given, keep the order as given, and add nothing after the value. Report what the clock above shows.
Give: 12:18:51
